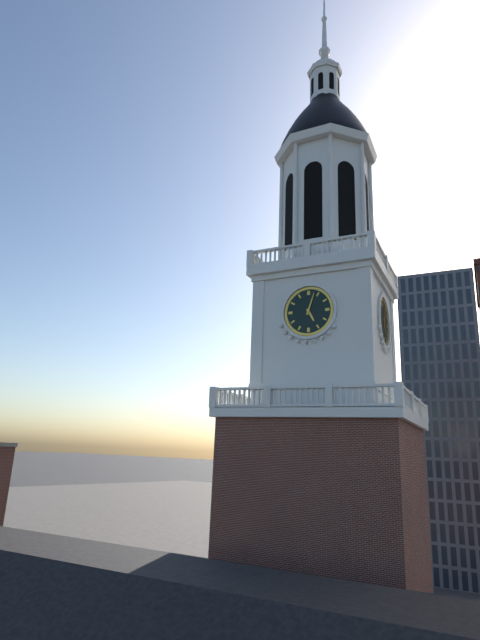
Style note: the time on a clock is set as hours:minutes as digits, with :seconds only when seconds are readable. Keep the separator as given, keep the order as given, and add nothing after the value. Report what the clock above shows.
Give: 5:03
